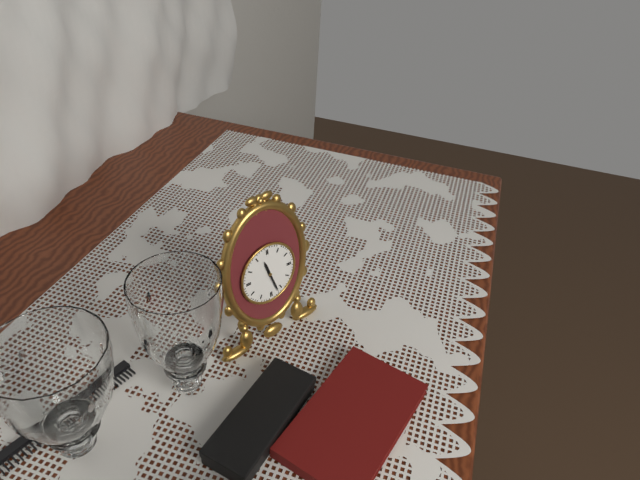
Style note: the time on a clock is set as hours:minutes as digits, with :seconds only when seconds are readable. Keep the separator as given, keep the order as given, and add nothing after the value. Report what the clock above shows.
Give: 11:27
